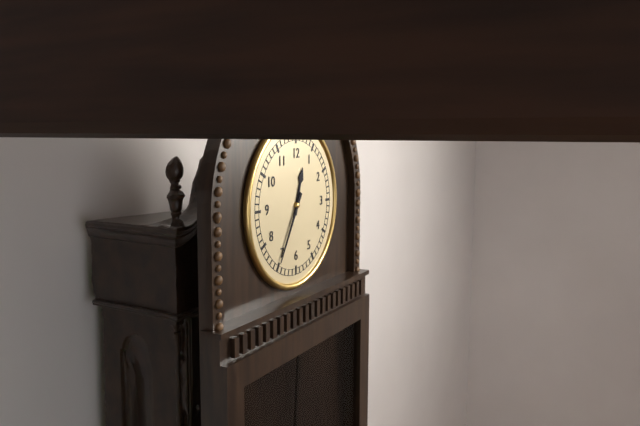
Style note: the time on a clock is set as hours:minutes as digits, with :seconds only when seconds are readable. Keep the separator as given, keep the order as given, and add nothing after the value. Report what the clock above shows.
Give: 12:35
